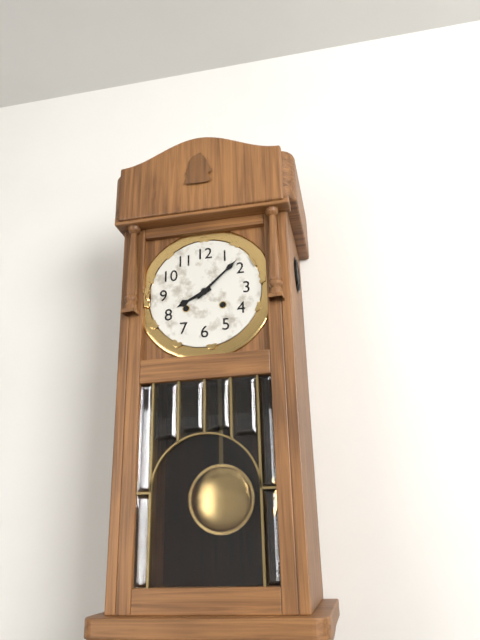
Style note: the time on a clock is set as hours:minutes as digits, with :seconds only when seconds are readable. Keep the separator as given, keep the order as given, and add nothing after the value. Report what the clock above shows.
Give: 8:08
